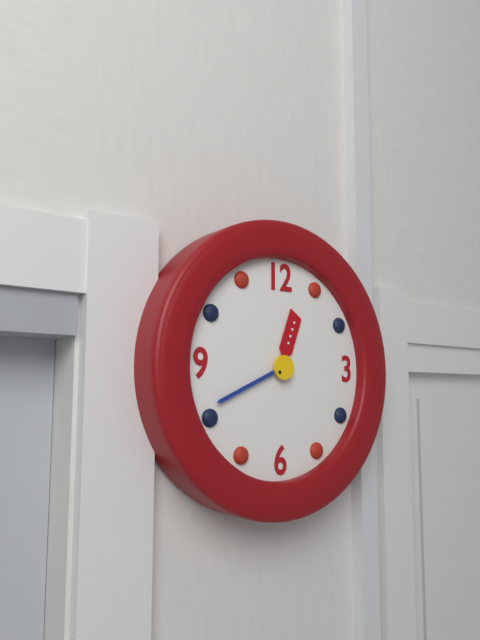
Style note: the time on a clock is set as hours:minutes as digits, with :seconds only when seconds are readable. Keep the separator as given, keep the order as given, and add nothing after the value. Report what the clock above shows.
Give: 12:41
